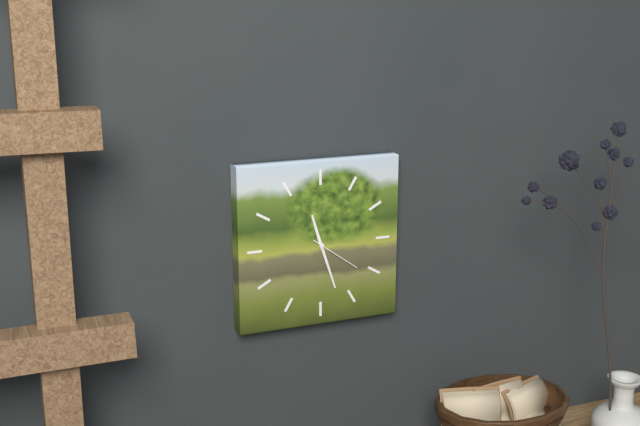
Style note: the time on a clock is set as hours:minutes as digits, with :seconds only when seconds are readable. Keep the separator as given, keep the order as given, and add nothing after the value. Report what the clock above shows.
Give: 11:27:21
